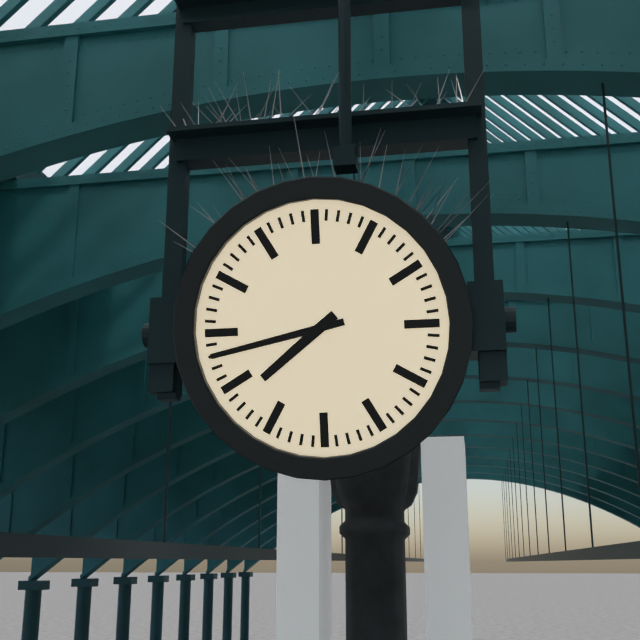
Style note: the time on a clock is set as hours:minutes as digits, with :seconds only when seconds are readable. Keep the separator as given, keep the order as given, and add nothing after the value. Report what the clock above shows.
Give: 7:43
